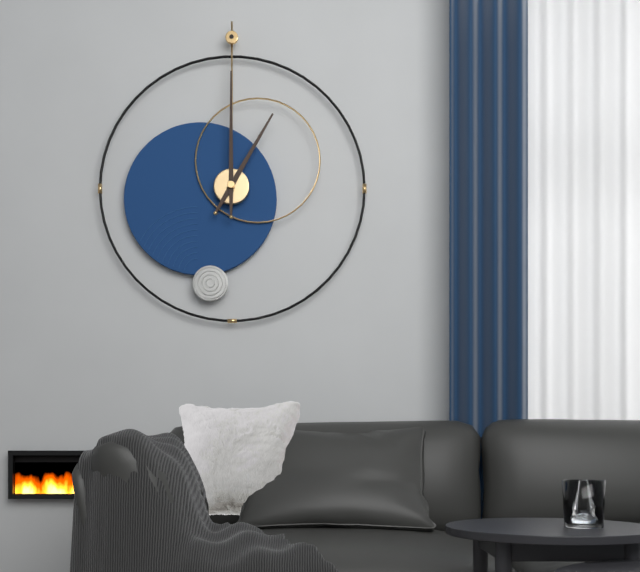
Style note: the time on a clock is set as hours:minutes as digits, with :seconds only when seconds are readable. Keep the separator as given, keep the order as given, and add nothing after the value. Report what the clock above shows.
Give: 1:00
